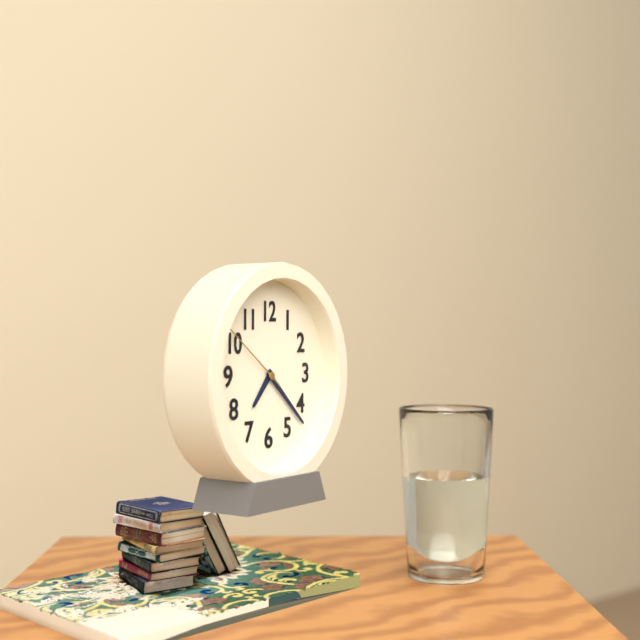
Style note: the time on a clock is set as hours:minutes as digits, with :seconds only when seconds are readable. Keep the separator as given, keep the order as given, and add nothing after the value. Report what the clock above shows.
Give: 7:22:51
